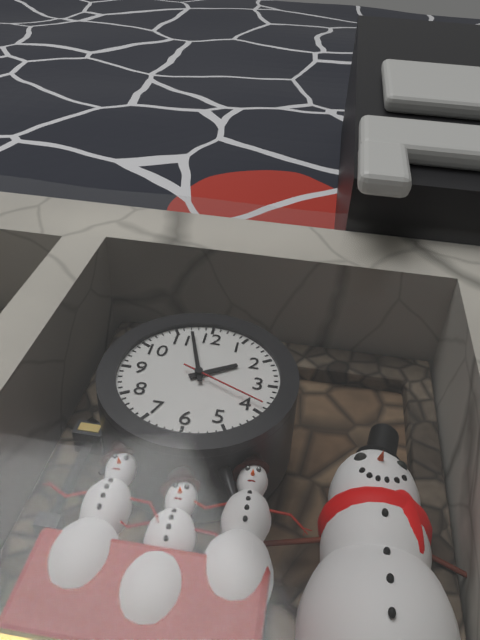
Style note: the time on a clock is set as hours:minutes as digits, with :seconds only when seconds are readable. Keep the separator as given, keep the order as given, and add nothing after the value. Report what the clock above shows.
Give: 1:57:19
